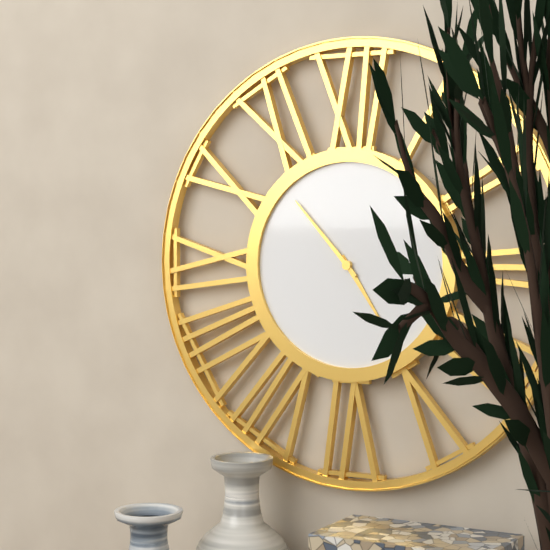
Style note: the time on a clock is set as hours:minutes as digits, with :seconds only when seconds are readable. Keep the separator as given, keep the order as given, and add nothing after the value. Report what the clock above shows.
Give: 4:53
